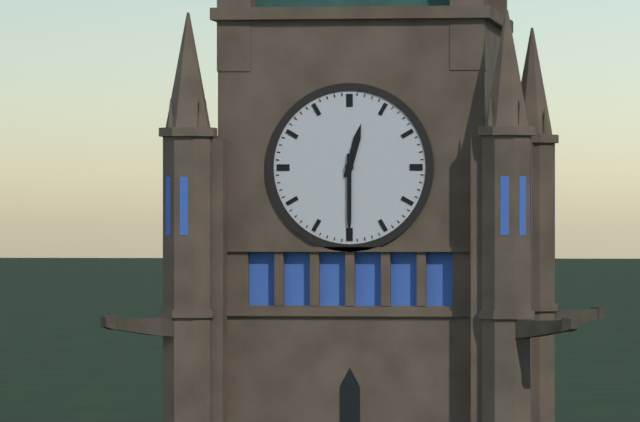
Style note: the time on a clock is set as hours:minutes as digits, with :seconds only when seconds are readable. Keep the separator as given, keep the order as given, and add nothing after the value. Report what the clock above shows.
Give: 12:30
